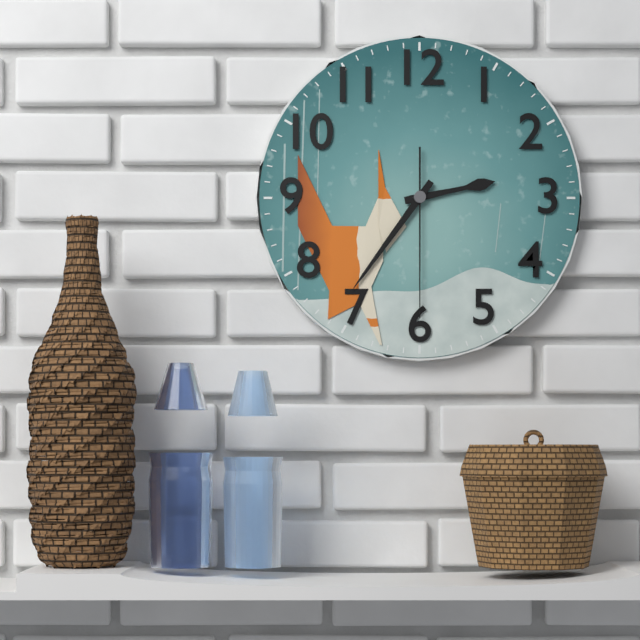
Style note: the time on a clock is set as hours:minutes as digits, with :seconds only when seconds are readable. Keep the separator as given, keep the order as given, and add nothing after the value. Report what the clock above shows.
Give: 2:36:30
